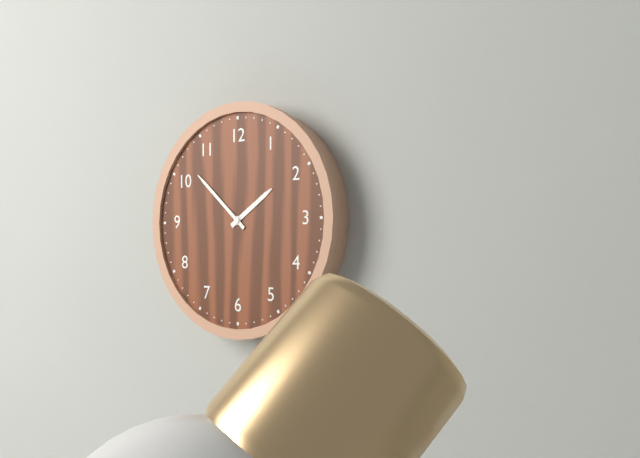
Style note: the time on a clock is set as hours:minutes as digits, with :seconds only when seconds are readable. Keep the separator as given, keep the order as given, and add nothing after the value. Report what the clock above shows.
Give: 1:52
